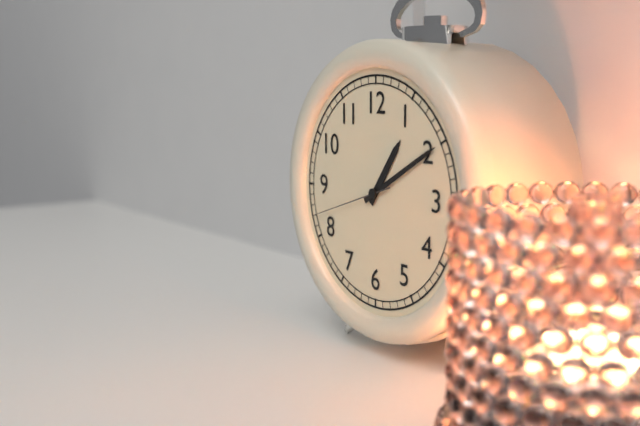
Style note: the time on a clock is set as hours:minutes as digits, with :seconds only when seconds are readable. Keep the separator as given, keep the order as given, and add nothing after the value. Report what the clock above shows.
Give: 1:10:42
